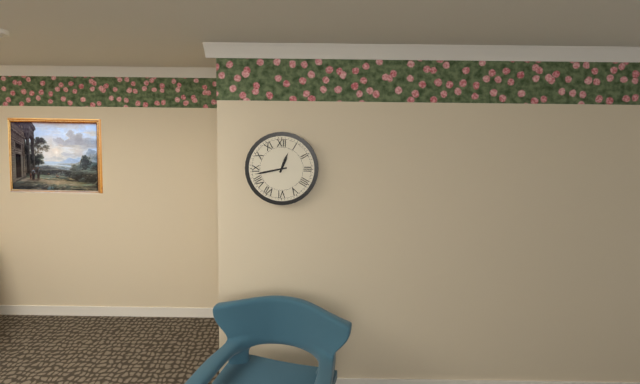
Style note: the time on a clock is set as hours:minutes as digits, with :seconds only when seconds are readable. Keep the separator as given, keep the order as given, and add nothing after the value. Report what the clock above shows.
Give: 12:43
